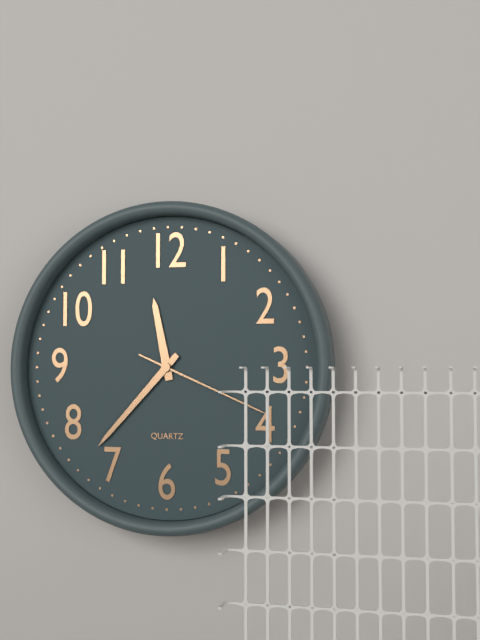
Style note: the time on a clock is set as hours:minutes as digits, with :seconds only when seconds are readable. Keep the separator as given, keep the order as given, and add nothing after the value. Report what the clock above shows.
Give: 11:37:19
